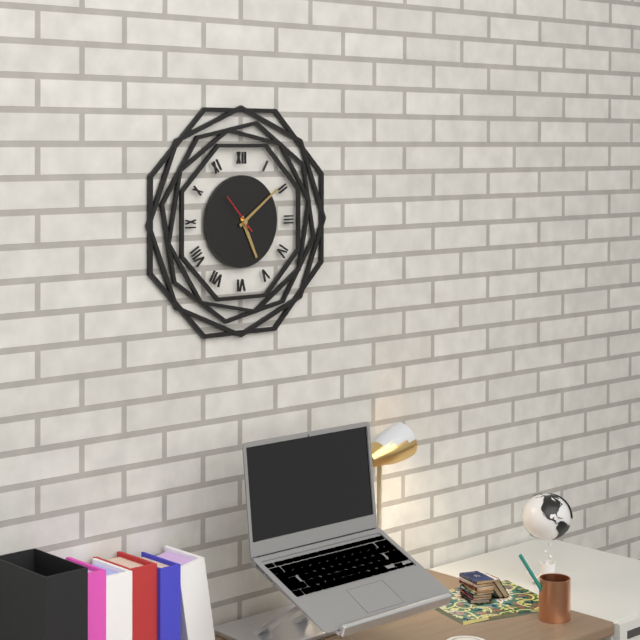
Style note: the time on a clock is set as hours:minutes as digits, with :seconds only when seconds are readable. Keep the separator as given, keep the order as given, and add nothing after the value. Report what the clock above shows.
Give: 5:09
